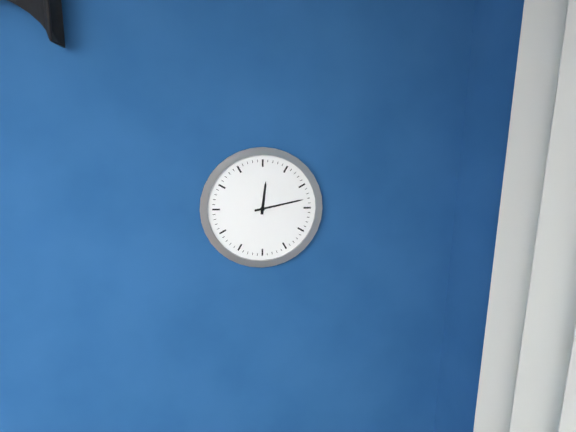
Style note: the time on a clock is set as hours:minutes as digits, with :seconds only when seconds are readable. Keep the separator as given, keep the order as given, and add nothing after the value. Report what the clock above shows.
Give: 12:13
